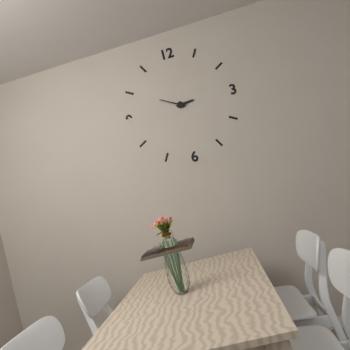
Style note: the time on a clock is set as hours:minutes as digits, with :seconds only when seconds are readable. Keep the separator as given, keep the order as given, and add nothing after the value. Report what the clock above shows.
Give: 2:50
